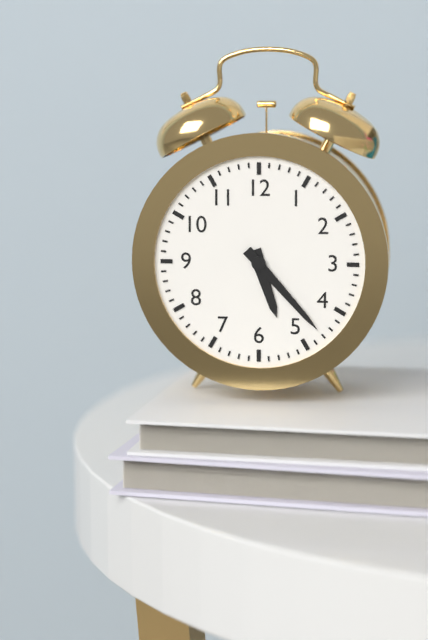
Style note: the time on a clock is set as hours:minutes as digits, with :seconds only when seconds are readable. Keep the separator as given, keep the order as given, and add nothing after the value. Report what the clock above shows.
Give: 5:23
